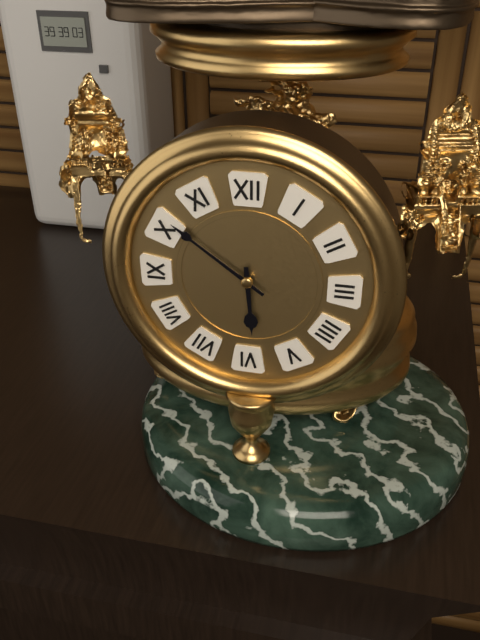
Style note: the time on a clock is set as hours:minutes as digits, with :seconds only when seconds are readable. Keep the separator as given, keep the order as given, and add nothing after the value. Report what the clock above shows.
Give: 5:51
